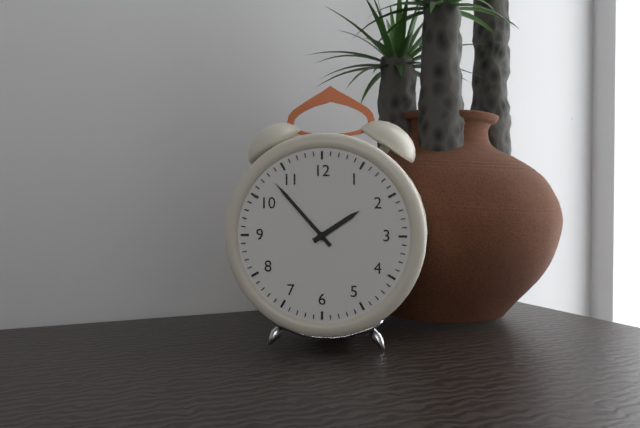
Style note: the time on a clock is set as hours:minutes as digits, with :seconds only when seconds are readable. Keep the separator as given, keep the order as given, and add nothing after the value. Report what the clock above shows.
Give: 1:53
